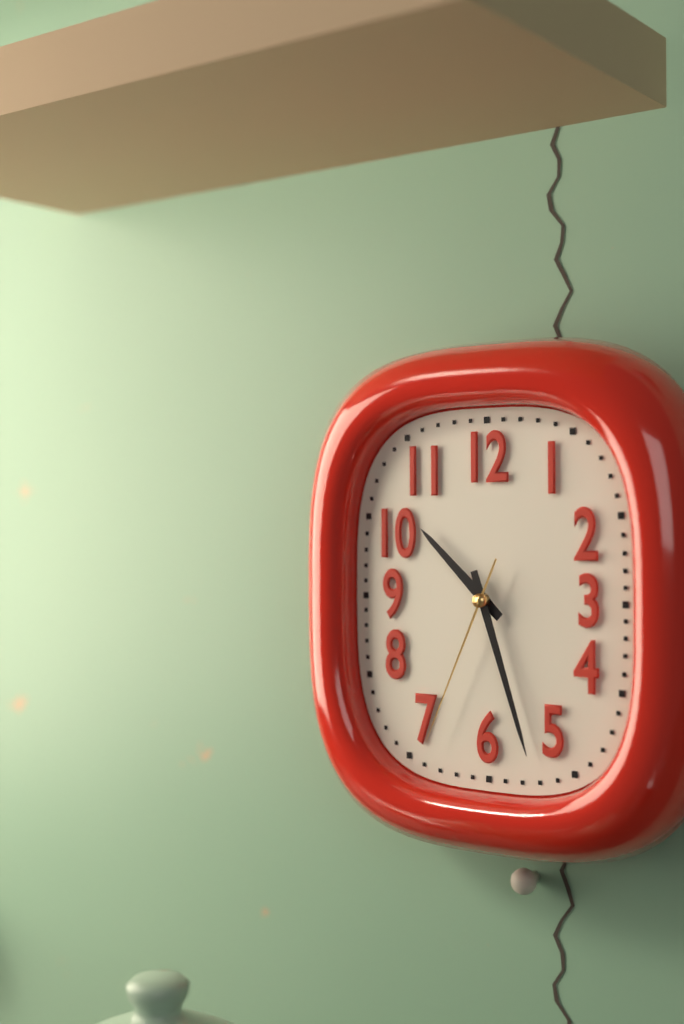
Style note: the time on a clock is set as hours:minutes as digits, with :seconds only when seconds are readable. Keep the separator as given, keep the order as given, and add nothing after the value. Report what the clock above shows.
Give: 10:27:34
